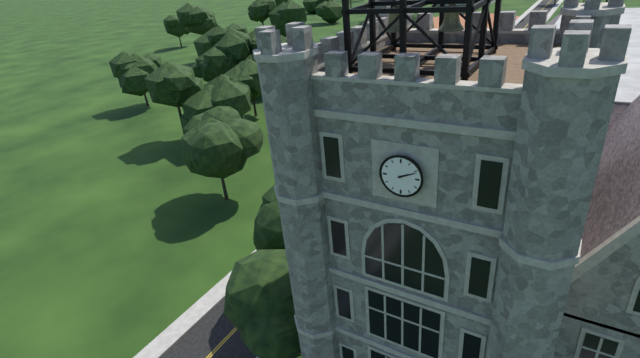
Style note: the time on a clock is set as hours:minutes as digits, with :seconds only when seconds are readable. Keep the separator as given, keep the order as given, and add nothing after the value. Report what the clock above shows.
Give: 2:11
